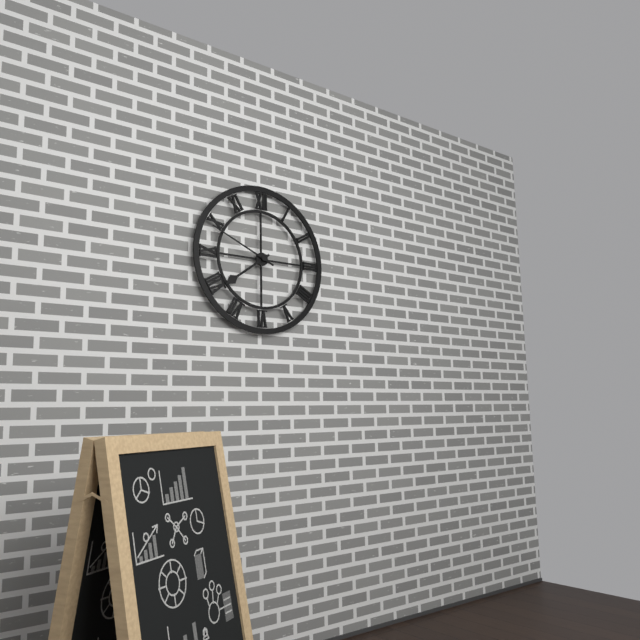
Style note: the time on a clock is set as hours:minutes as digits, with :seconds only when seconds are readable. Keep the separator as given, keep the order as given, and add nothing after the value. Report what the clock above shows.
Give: 7:49
